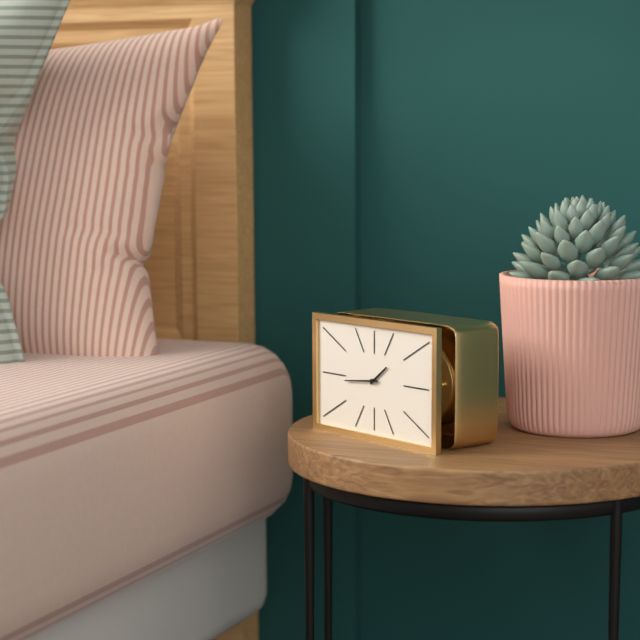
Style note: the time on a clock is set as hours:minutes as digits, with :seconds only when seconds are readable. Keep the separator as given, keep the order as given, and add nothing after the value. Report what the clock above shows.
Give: 1:44
